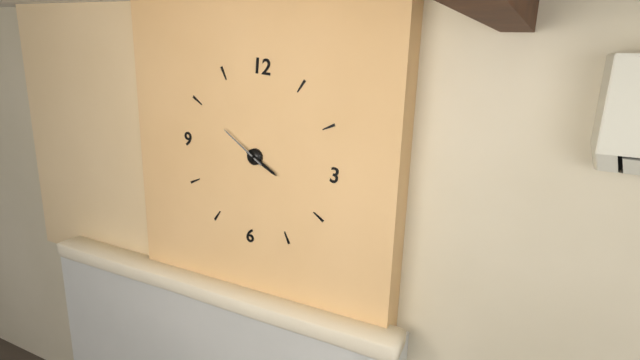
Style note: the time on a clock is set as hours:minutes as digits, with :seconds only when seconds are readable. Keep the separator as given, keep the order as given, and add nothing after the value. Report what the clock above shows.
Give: 3:50
